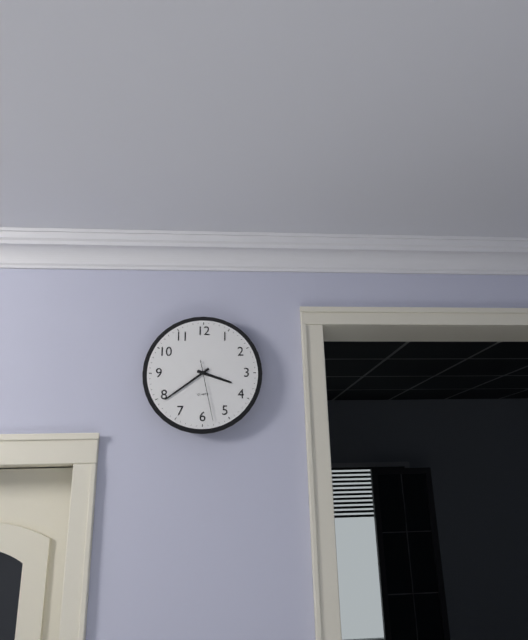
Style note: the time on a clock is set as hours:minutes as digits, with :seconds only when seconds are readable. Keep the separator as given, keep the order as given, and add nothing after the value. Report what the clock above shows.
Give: 3:39:28
